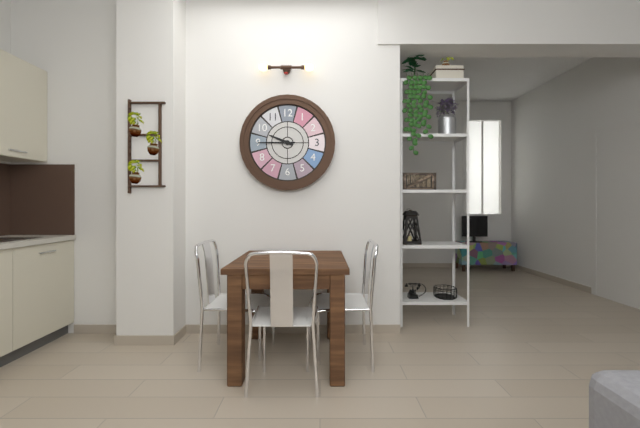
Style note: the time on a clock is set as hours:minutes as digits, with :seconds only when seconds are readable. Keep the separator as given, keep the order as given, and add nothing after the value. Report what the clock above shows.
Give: 9:45
